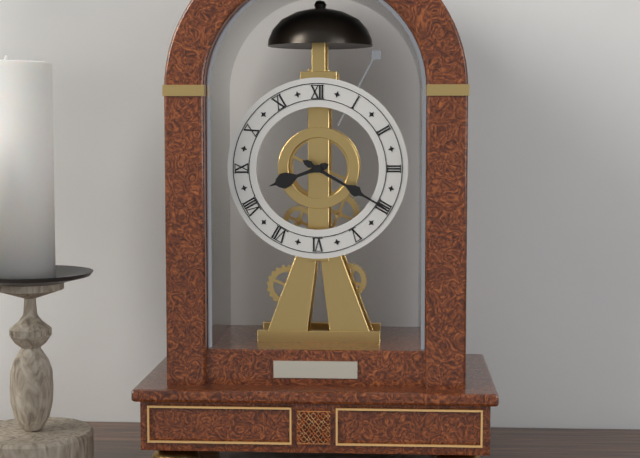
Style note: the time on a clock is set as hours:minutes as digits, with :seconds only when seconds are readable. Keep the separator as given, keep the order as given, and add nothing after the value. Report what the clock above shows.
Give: 8:20
